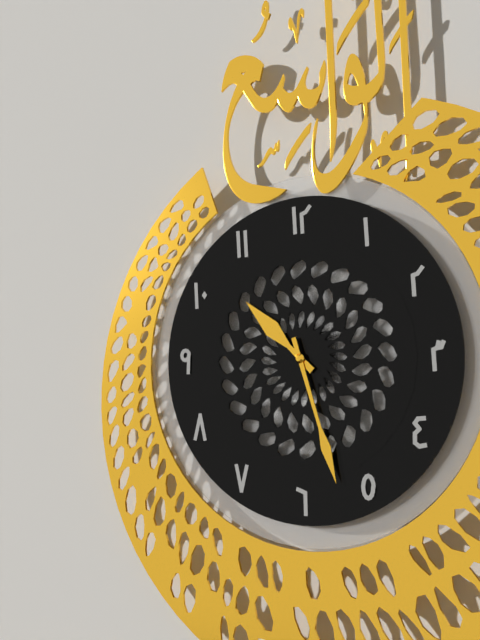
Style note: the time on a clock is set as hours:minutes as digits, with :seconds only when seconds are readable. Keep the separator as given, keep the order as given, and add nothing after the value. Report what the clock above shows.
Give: 10:27
